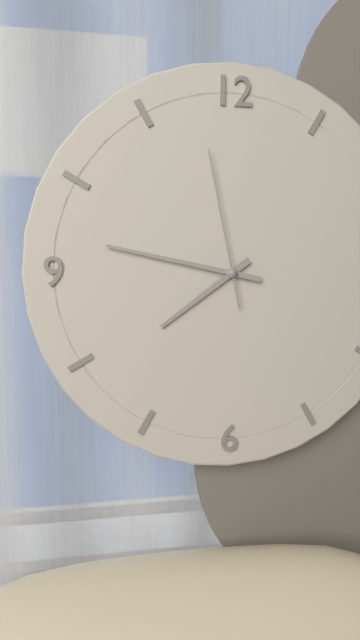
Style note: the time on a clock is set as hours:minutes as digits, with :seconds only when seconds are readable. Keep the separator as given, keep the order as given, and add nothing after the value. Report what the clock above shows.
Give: 7:47:58
